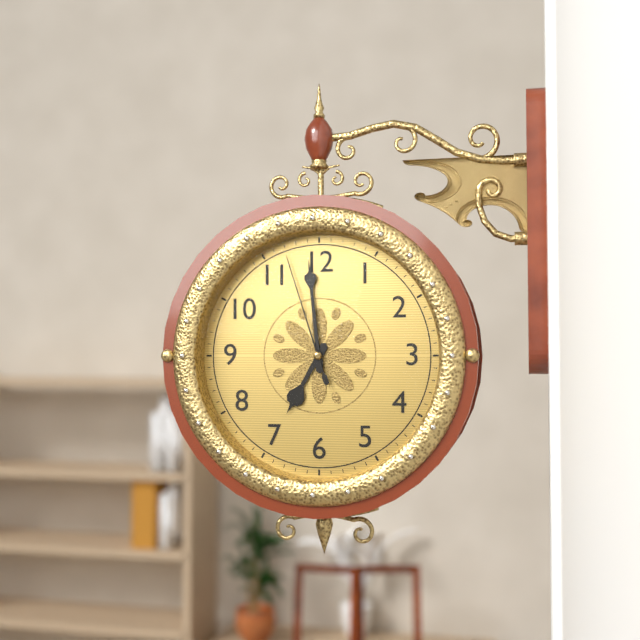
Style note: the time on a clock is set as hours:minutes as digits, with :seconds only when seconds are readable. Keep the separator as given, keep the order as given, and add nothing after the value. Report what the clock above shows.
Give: 6:59:57
